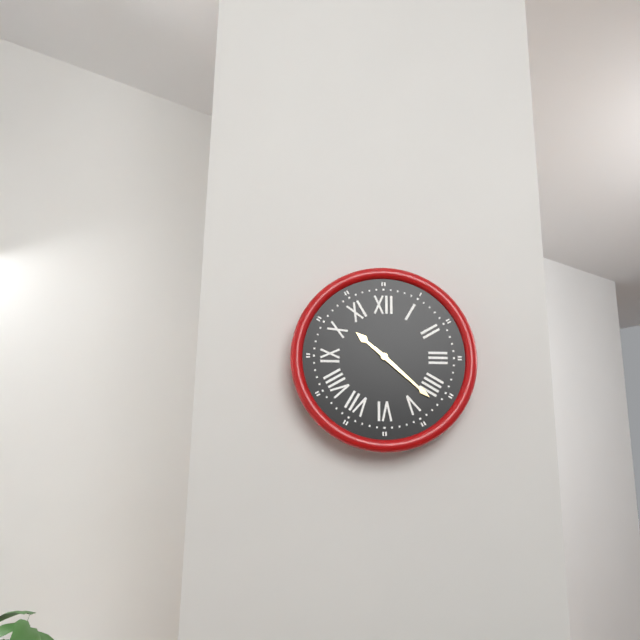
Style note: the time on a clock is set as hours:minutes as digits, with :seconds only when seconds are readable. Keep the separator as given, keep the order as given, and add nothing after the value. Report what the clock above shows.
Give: 10:22
